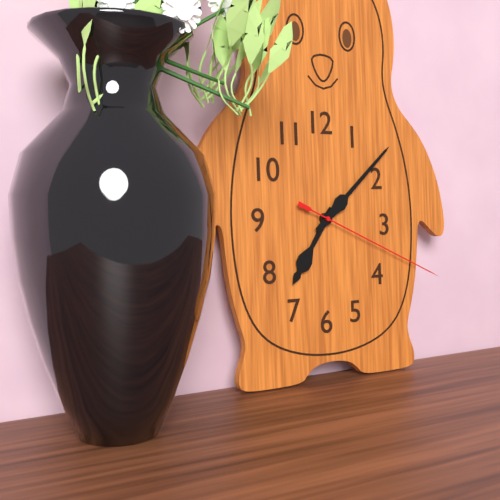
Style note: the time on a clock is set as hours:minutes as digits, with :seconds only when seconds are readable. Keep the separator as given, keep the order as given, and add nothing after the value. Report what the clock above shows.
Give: 7:08:19
